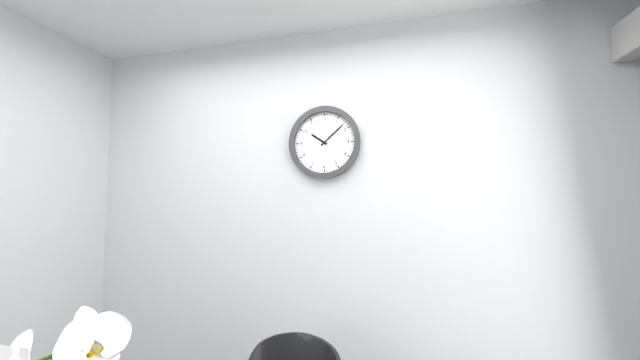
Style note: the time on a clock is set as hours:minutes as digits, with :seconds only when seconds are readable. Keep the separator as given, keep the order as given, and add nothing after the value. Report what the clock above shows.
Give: 10:08
